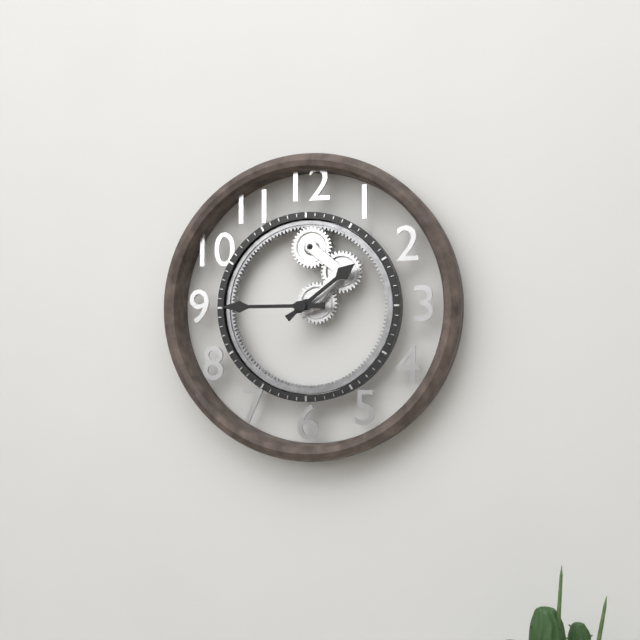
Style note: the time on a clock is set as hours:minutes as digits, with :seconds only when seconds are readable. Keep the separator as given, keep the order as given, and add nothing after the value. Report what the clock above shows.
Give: 1:45
